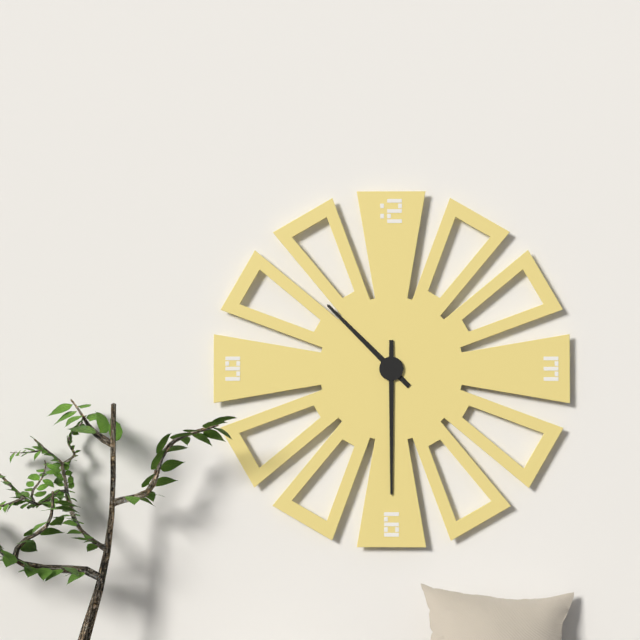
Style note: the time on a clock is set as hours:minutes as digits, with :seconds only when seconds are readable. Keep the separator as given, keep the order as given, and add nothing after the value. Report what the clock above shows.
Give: 10:30
